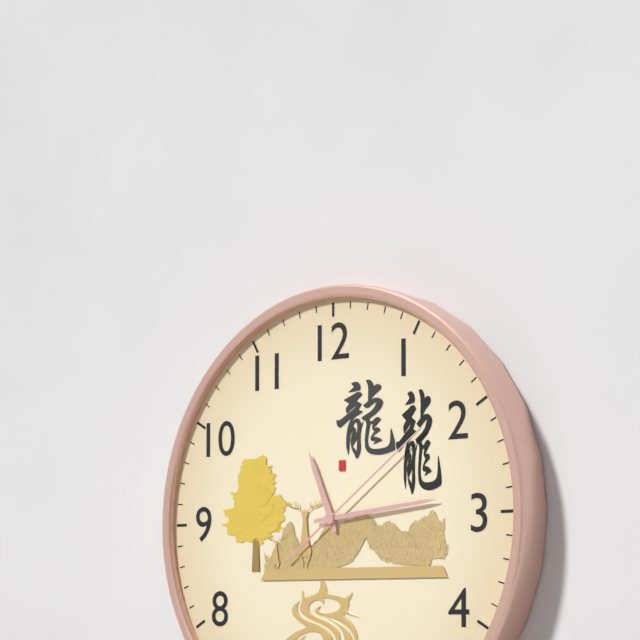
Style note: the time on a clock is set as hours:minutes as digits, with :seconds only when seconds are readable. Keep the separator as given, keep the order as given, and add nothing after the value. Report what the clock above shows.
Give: 11:14:09
